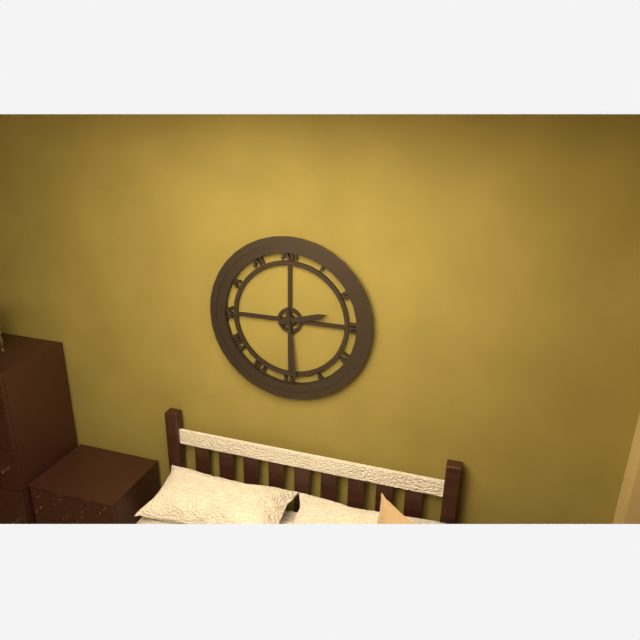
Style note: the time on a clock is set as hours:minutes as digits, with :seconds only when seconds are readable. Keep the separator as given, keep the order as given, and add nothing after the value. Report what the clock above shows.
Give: 2:29
